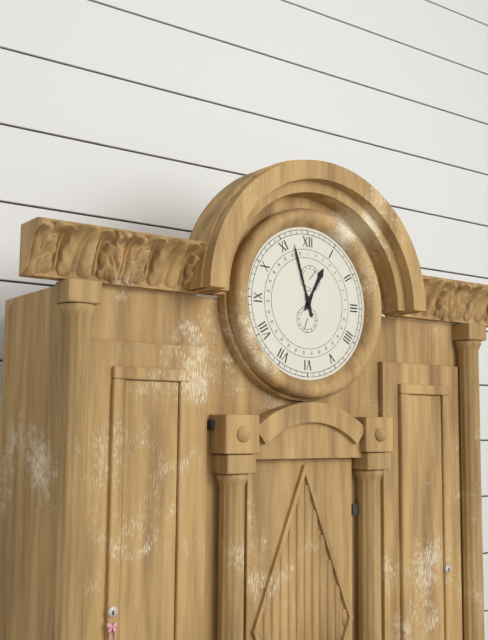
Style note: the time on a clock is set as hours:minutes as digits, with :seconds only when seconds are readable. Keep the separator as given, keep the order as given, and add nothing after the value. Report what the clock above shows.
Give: 12:57
